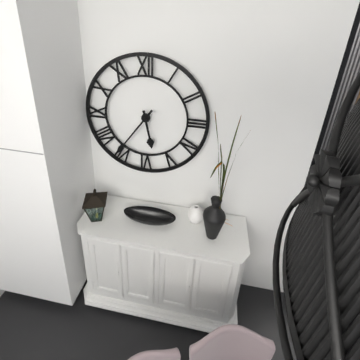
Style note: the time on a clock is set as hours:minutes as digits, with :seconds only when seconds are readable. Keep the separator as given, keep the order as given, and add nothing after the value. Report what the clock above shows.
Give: 5:36
